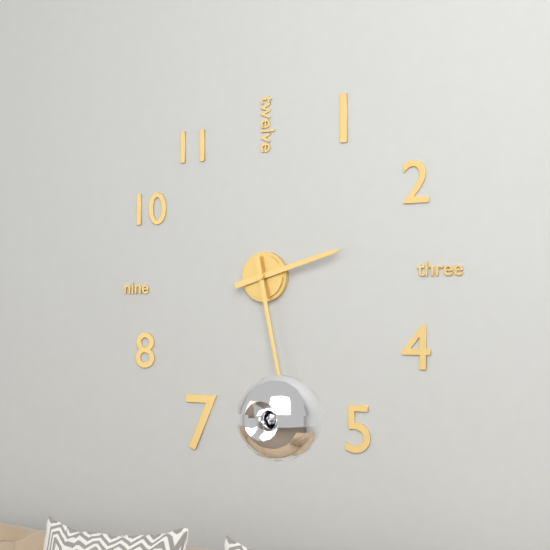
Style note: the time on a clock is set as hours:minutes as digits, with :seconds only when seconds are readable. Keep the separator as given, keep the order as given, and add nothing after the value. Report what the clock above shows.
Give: 2:28
